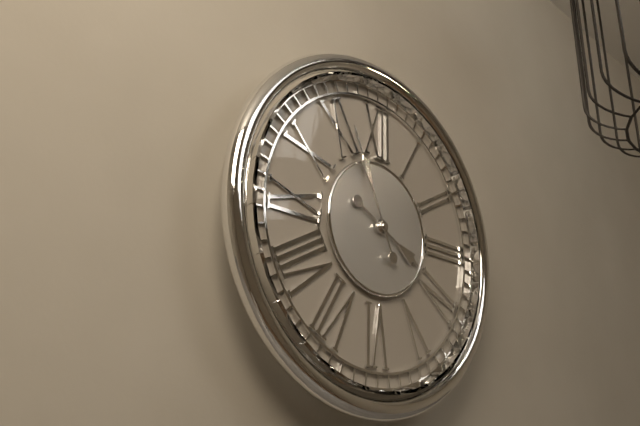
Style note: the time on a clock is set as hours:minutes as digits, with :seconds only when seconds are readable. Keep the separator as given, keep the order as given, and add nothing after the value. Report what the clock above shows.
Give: 3:56
